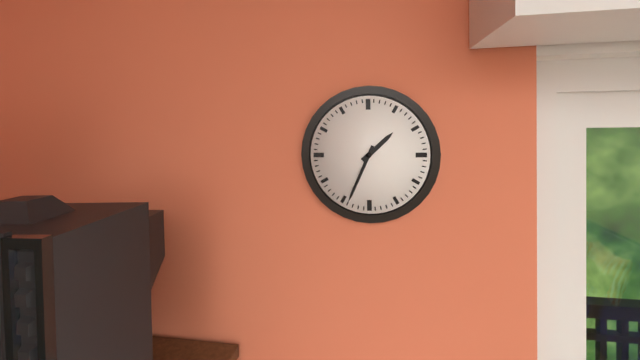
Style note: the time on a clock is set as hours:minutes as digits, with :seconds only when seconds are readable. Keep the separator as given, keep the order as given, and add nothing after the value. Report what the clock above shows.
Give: 1:34
